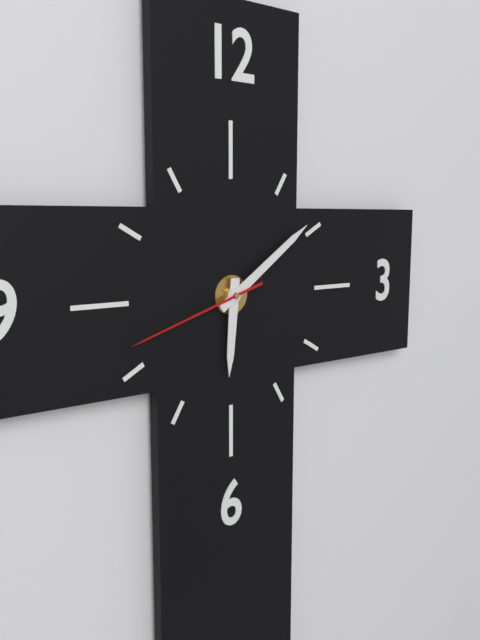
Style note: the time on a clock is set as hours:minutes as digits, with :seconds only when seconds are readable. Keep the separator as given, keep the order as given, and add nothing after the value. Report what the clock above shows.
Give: 6:09:42
